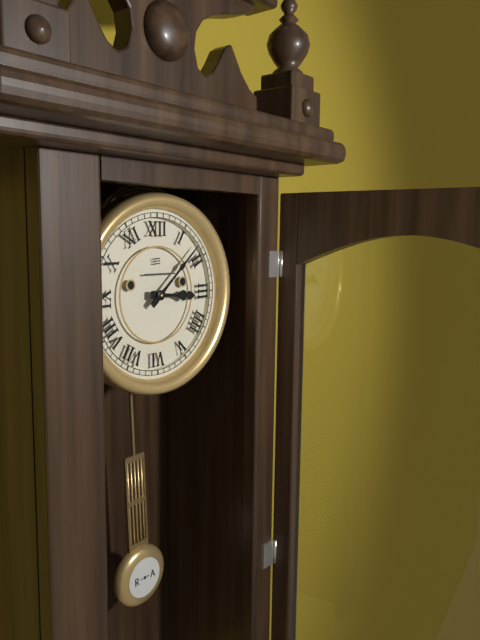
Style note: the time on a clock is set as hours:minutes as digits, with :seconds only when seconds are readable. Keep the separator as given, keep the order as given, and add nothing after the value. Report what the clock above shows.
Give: 3:08
